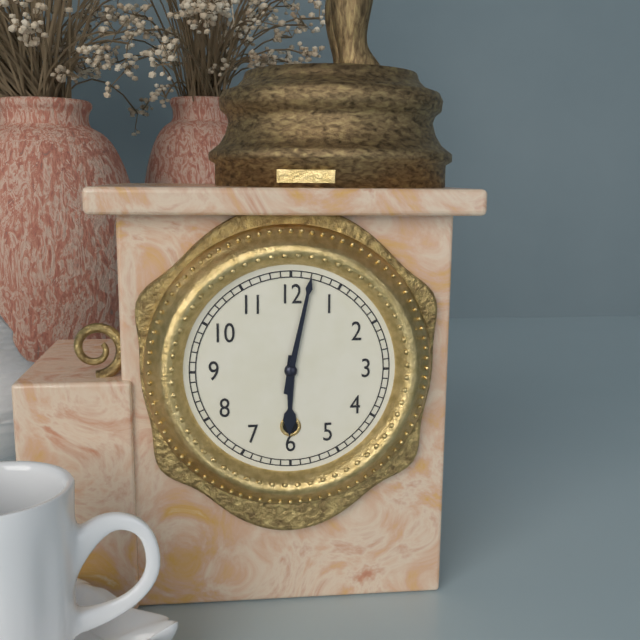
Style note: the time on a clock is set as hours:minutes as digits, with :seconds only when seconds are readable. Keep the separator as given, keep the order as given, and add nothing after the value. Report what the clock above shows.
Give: 6:02
